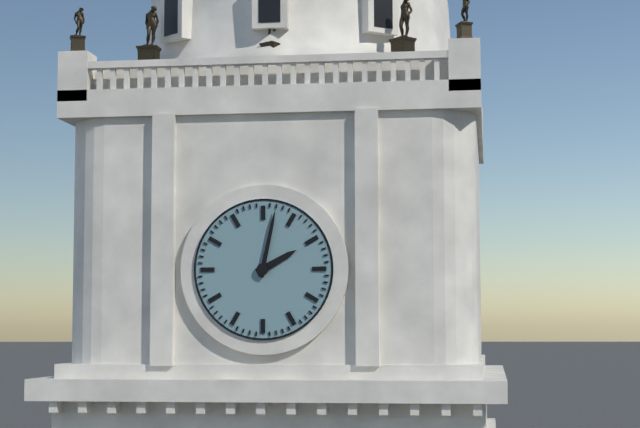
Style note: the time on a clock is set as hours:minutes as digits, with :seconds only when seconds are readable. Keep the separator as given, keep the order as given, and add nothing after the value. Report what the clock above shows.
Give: 2:02
